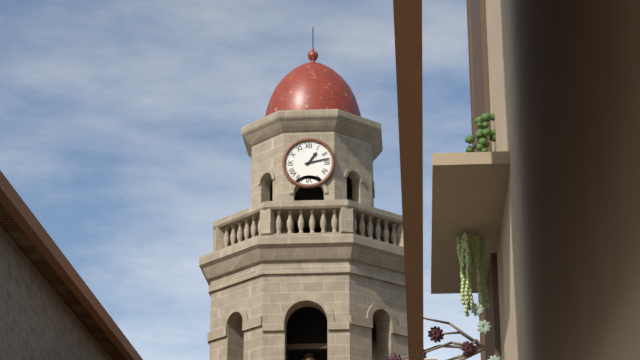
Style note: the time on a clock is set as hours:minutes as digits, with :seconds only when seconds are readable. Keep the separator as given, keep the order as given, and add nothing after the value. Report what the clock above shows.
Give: 1:13
